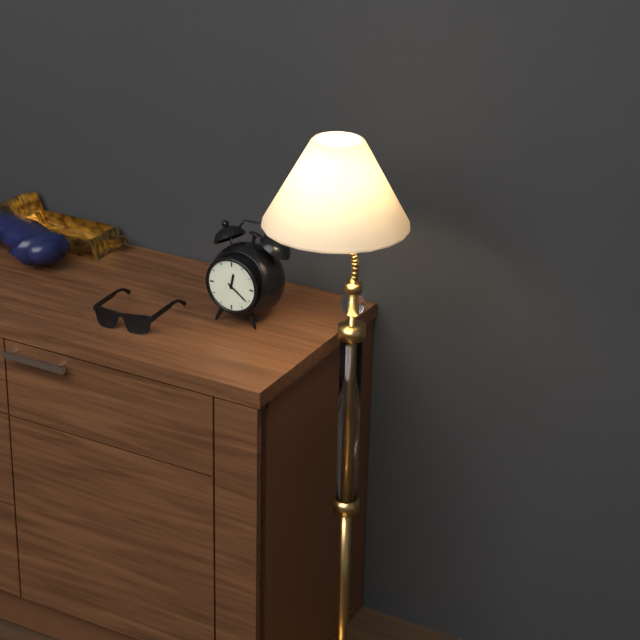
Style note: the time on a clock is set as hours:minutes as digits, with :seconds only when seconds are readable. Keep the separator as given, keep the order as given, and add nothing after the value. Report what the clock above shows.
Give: 12:21
